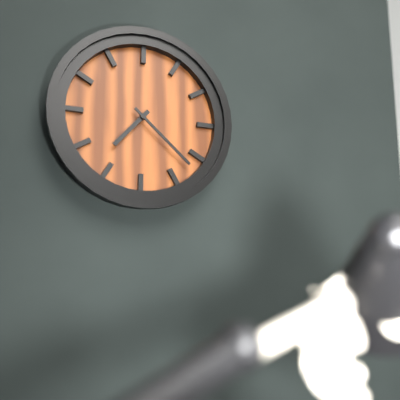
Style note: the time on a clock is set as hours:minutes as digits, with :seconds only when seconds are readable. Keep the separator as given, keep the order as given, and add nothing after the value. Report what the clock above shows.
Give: 7:22
